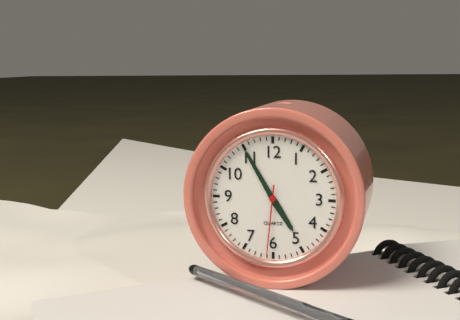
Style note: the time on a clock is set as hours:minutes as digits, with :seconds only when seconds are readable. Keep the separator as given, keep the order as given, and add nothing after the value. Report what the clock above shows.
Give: 4:55:31
